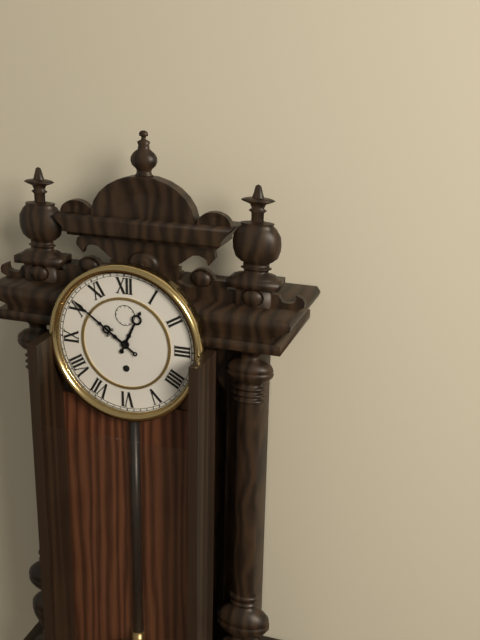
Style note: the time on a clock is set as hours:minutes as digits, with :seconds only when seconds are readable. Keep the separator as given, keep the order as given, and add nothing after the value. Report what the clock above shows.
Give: 12:51
